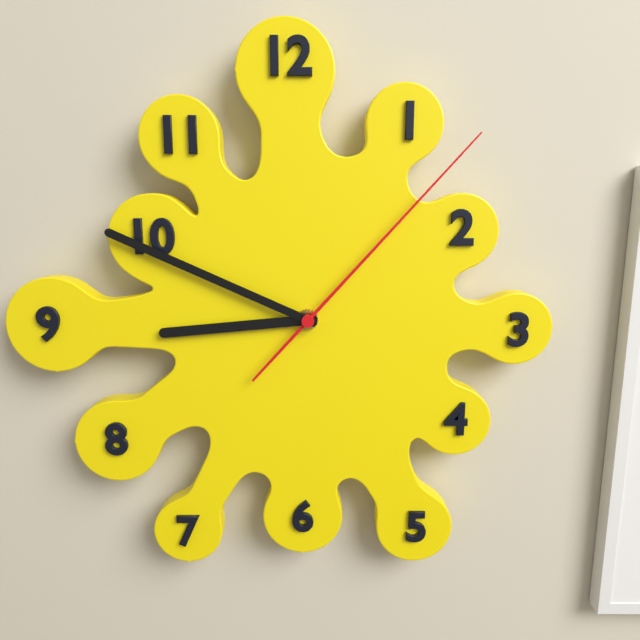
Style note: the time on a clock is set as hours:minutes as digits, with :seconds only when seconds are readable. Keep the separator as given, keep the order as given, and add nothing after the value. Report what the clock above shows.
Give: 8:49:07
